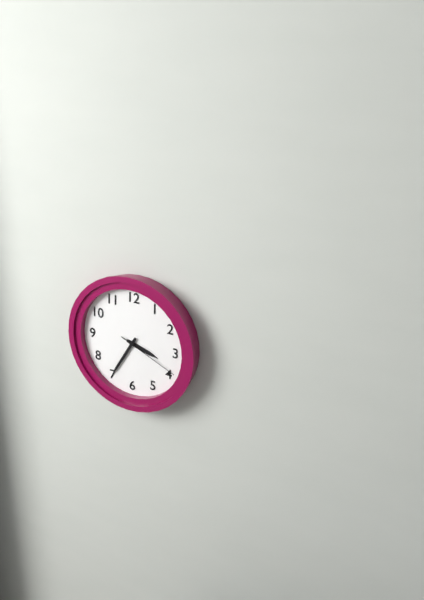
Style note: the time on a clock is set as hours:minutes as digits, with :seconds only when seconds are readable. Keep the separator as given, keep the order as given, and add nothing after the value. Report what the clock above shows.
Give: 3:35:19
